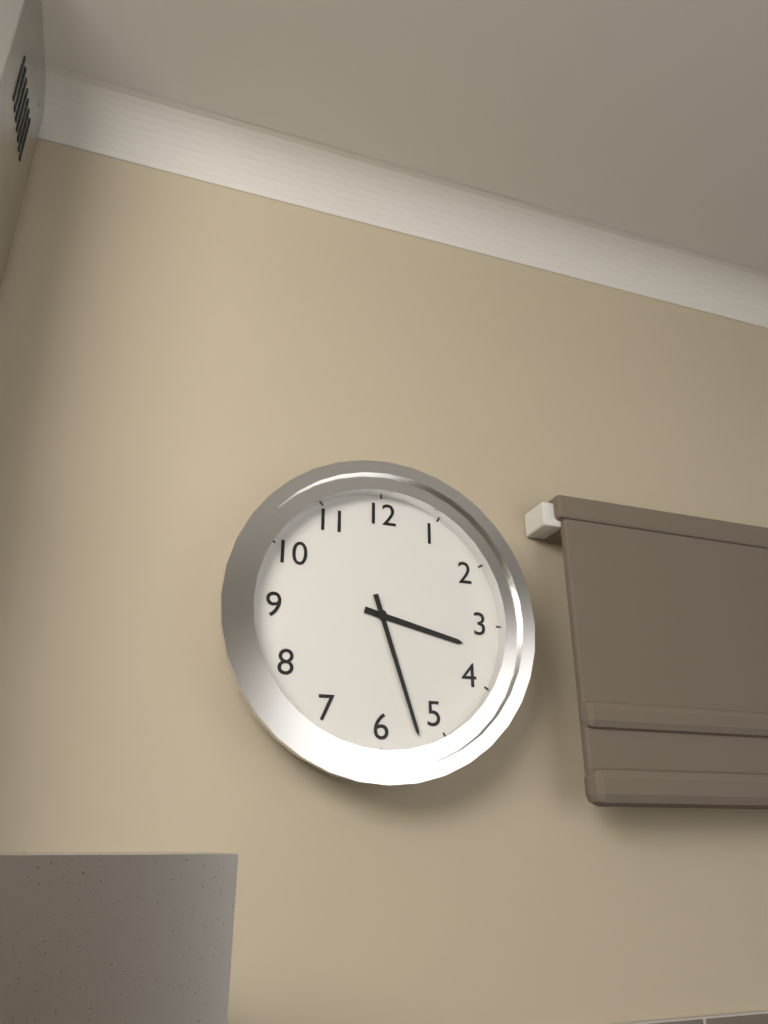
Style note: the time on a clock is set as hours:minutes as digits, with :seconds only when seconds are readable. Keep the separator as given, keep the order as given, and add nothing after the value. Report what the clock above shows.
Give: 3:27
